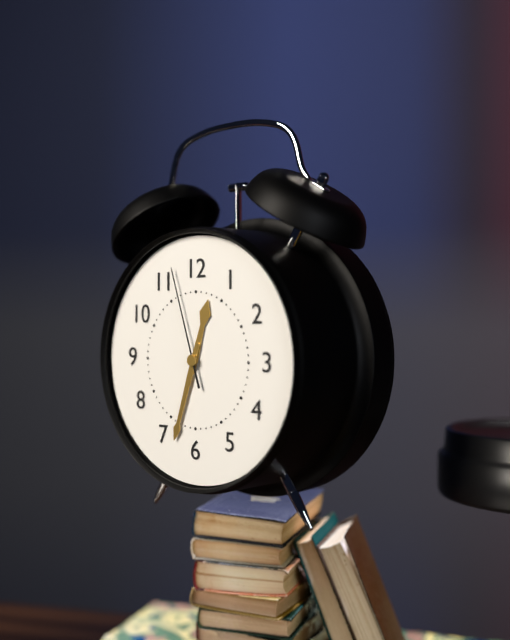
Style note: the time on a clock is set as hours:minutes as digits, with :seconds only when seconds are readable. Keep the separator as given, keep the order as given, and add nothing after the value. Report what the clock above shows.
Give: 12:33:57
